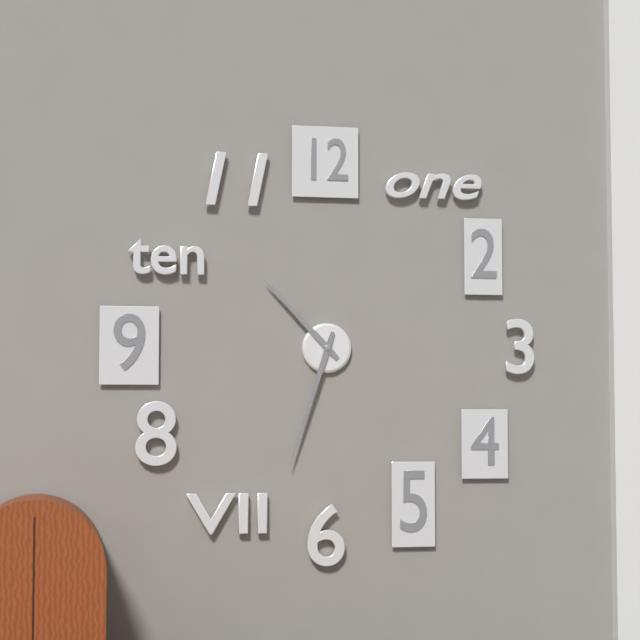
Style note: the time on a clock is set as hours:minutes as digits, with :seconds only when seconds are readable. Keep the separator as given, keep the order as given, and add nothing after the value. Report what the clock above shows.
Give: 10:33
